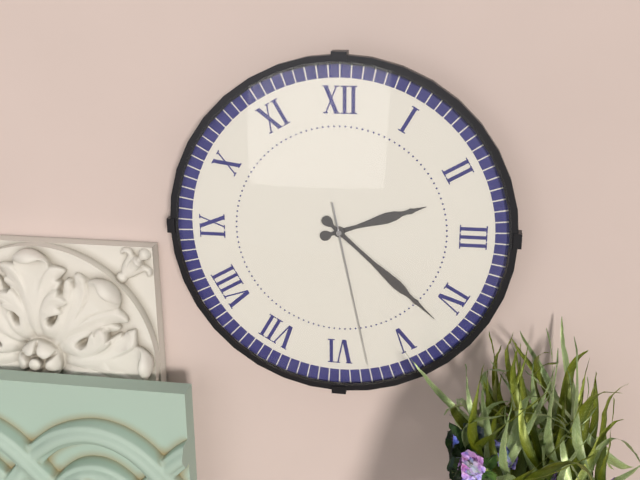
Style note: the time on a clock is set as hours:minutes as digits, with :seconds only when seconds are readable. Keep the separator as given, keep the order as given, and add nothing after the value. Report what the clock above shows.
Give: 2:22:28
